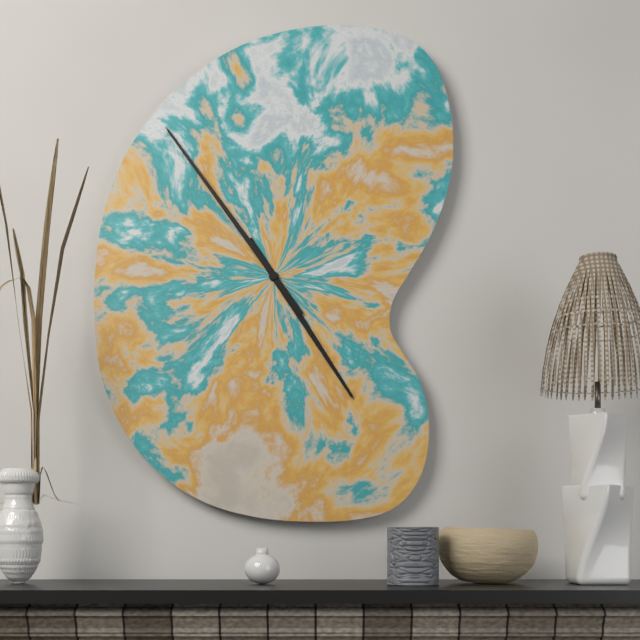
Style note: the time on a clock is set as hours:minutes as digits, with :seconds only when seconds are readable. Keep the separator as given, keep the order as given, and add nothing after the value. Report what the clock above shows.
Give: 4:54
